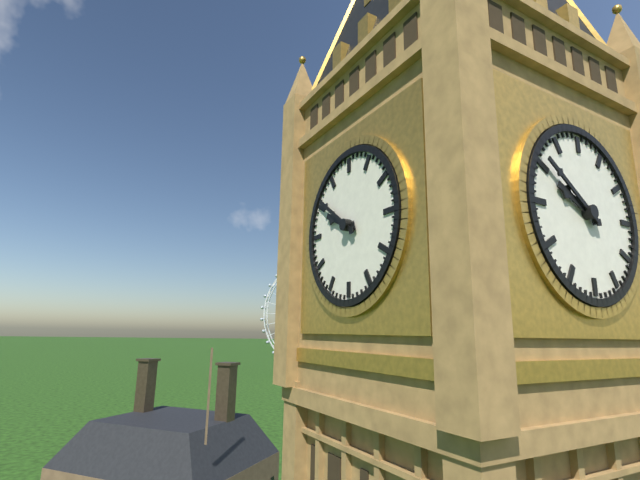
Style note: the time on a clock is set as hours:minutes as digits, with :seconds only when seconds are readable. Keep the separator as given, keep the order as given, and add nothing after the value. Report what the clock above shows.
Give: 9:51
